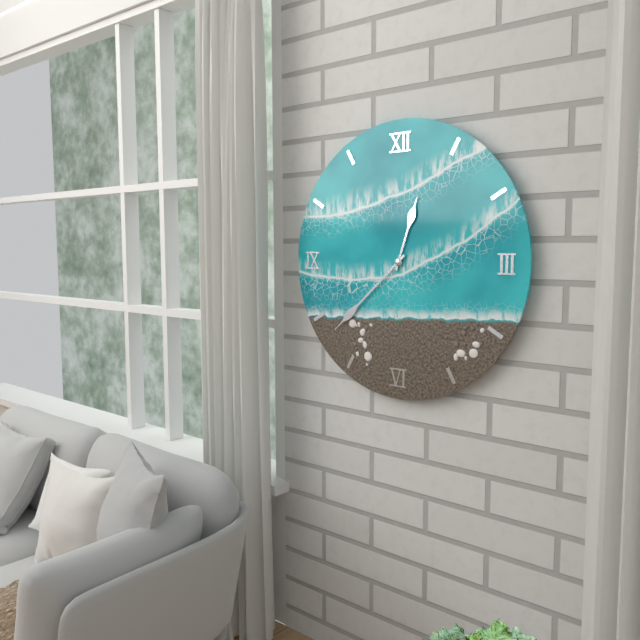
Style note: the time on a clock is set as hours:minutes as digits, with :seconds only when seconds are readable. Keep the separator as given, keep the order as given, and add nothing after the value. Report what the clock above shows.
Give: 12:38
